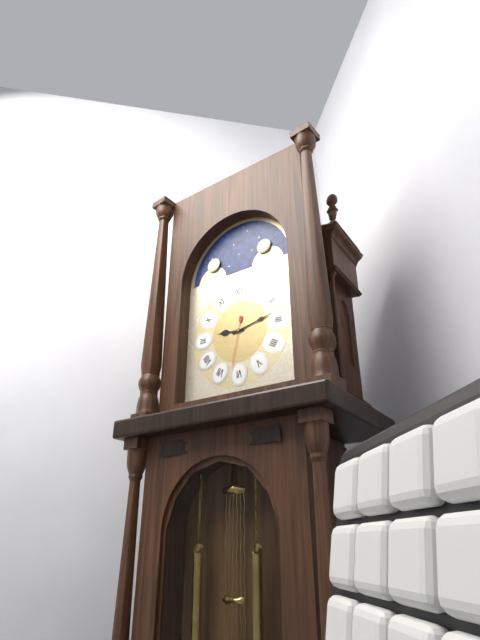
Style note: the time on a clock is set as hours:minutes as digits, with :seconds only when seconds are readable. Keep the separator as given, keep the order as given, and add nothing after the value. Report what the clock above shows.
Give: 9:13
